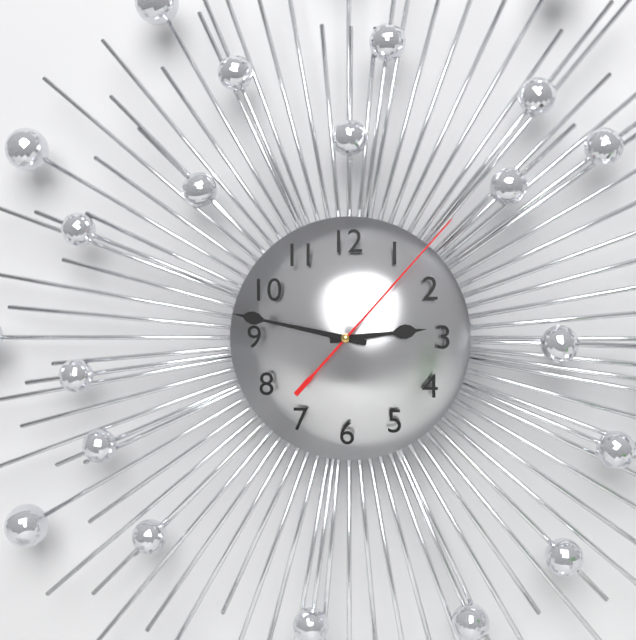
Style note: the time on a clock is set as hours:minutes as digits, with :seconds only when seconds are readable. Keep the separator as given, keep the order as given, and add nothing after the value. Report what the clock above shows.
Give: 2:47:07
